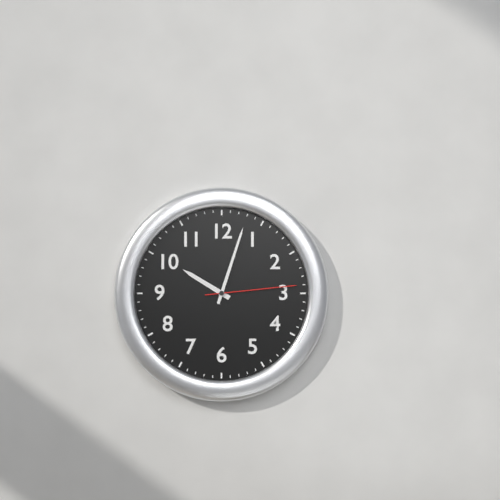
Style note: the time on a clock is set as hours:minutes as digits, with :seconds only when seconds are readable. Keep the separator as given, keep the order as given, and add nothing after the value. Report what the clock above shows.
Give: 10:03:14
